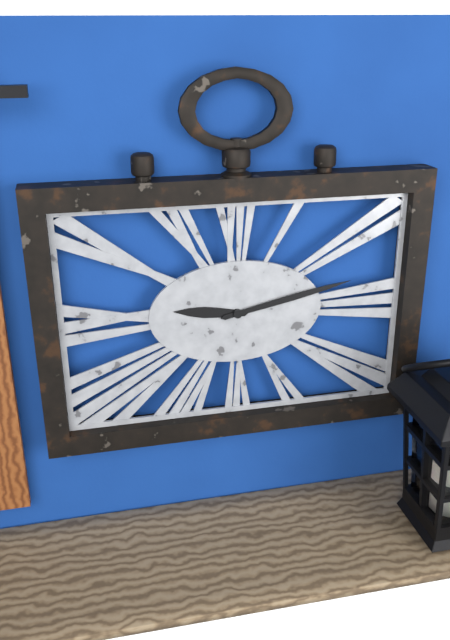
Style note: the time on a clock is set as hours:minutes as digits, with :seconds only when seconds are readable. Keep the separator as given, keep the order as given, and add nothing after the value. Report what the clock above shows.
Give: 9:13
